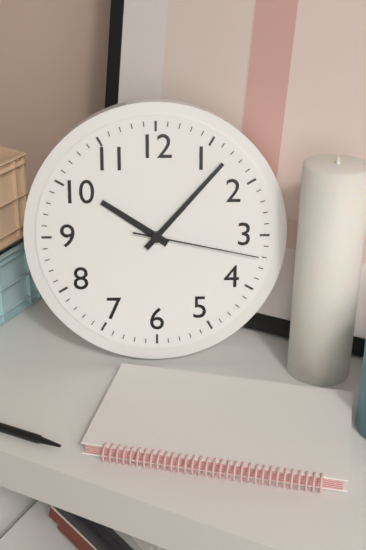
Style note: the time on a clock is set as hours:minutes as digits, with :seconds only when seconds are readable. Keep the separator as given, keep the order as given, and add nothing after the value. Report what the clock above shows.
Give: 10:07:17
